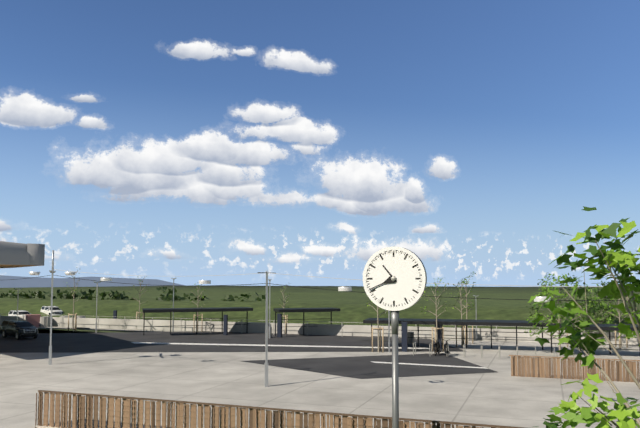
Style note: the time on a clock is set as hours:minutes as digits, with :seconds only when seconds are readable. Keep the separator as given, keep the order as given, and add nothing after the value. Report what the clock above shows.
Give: 10:41
